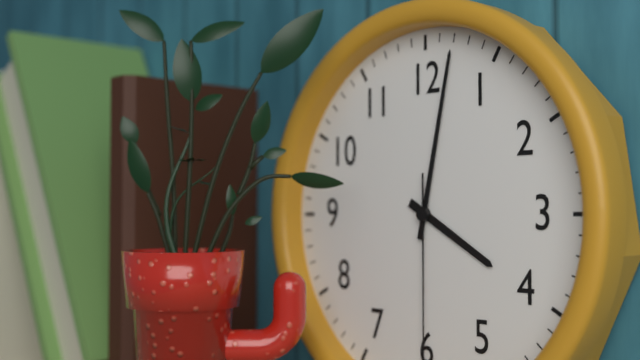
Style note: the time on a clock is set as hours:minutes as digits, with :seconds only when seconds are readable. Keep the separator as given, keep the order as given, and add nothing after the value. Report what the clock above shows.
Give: 4:02
